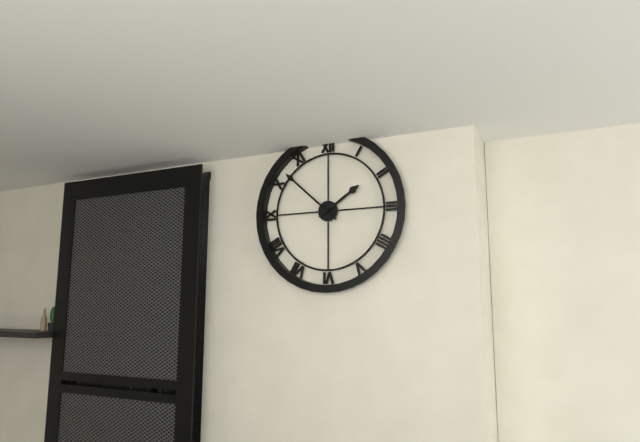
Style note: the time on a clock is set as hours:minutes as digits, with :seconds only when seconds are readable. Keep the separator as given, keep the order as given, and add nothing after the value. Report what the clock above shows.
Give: 1:52
